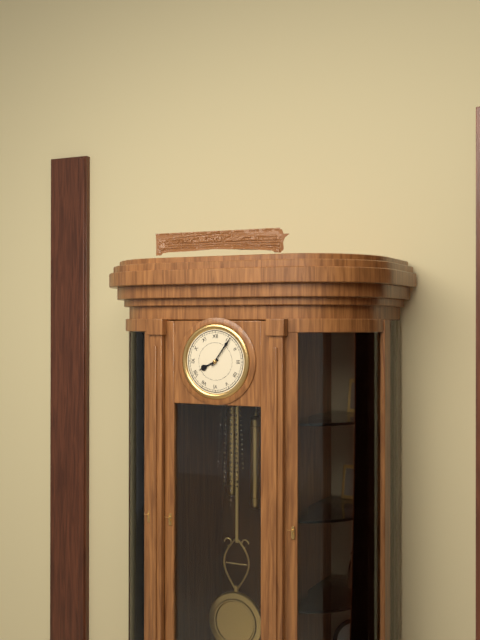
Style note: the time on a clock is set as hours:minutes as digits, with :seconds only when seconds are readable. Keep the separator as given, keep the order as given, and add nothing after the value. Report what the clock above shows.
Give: 8:06
